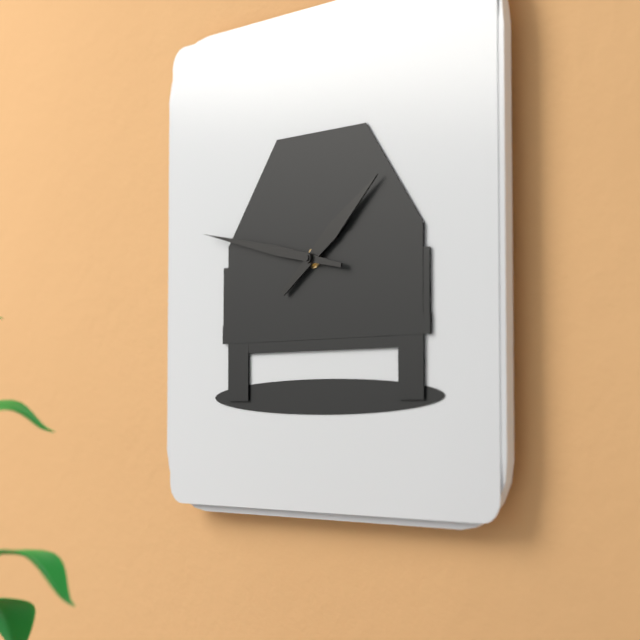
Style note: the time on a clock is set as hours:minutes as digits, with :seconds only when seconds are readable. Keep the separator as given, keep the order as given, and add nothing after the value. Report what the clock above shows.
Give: 1:47
